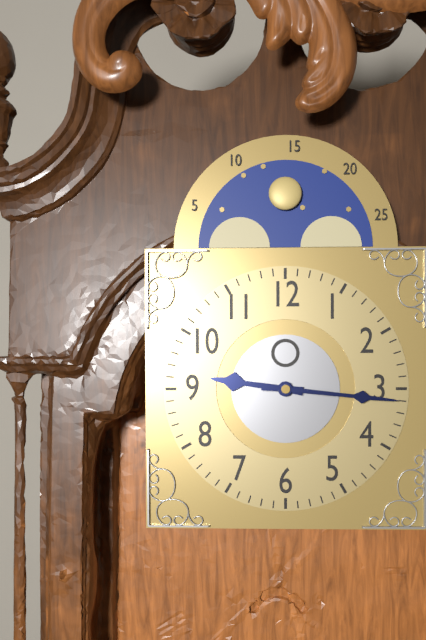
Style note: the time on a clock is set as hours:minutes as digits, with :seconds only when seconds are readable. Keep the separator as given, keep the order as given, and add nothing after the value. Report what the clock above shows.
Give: 9:16
